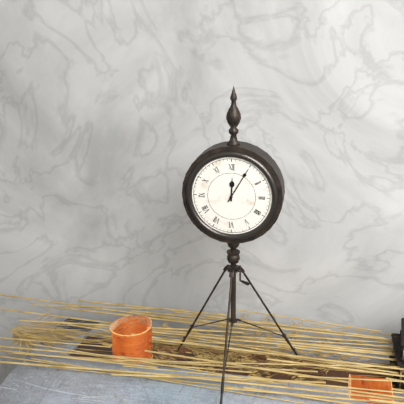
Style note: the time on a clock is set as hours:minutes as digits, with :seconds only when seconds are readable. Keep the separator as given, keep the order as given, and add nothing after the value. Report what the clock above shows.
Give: 12:05
